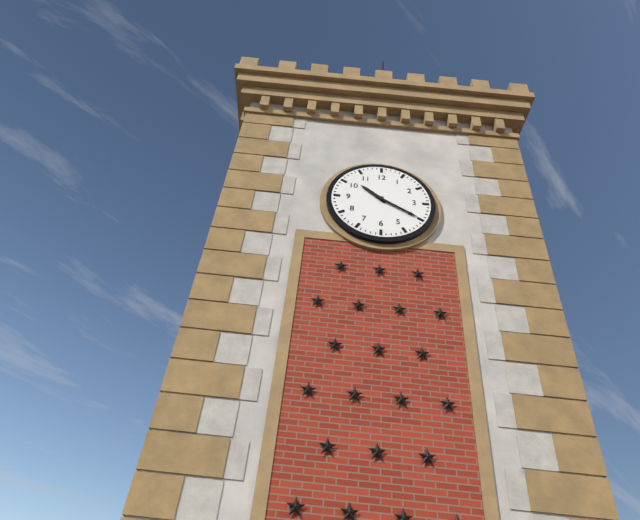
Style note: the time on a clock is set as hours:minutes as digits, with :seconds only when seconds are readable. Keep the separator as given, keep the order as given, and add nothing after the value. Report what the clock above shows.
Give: 10:20
